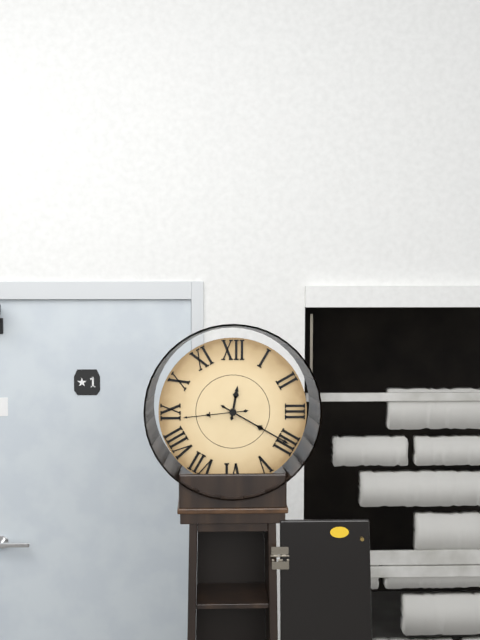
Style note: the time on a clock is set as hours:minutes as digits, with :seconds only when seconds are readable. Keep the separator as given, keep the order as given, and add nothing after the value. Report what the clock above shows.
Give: 12:20:44
